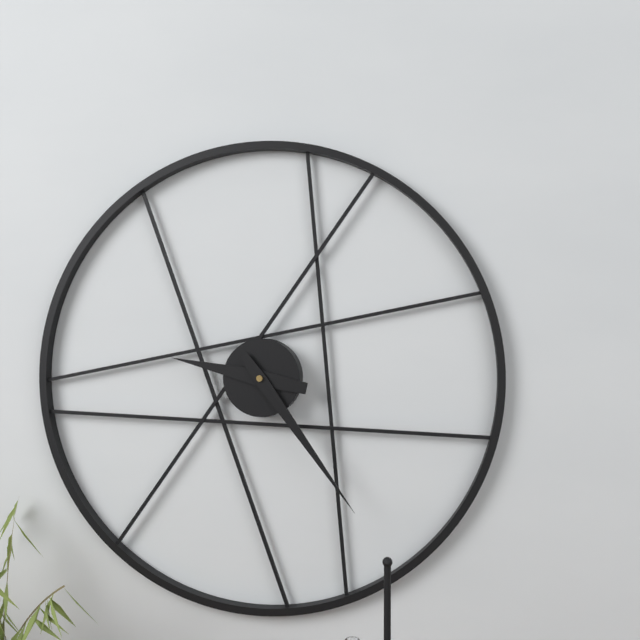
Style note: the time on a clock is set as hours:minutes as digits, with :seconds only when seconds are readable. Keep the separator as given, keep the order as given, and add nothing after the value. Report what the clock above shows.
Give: 9:24
